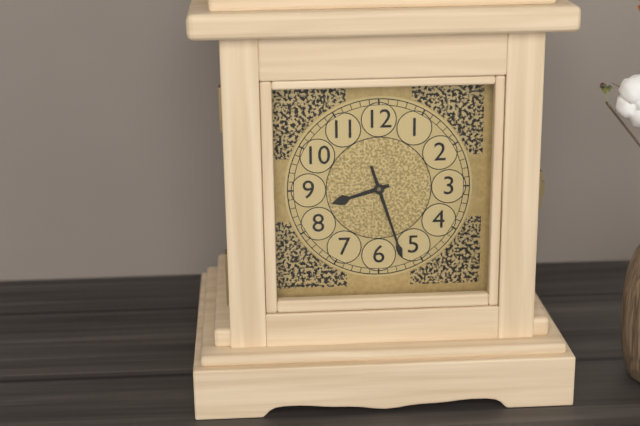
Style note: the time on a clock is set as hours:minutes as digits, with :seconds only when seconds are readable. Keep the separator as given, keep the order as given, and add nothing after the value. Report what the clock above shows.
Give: 8:27
